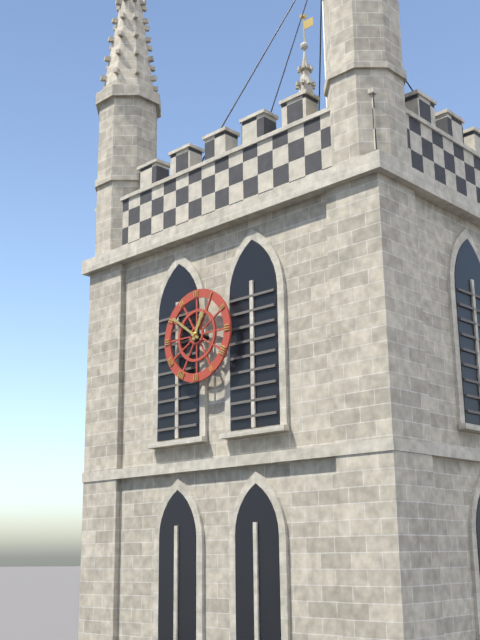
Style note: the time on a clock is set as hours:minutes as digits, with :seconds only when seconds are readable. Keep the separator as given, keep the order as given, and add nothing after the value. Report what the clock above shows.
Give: 12:51
